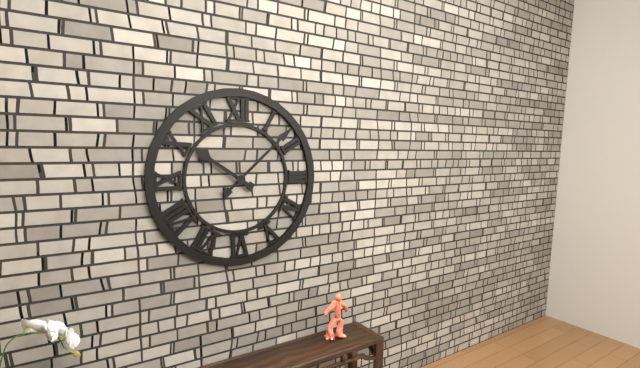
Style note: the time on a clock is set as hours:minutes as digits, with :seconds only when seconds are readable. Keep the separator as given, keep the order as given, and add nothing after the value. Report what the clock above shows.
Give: 10:08
